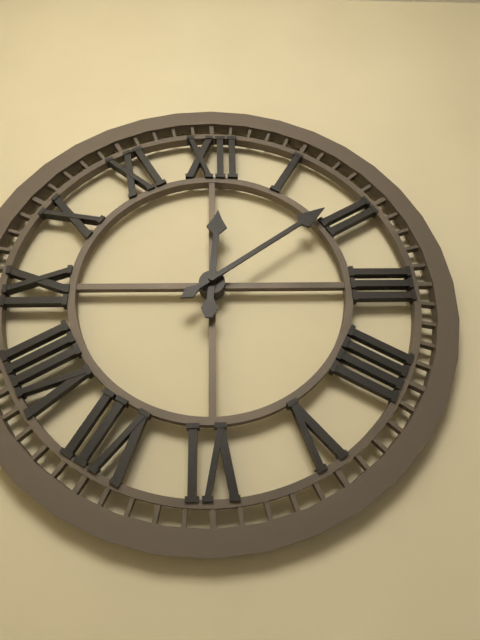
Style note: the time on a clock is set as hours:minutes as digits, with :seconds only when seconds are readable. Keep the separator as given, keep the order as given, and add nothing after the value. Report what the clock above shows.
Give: 12:09
